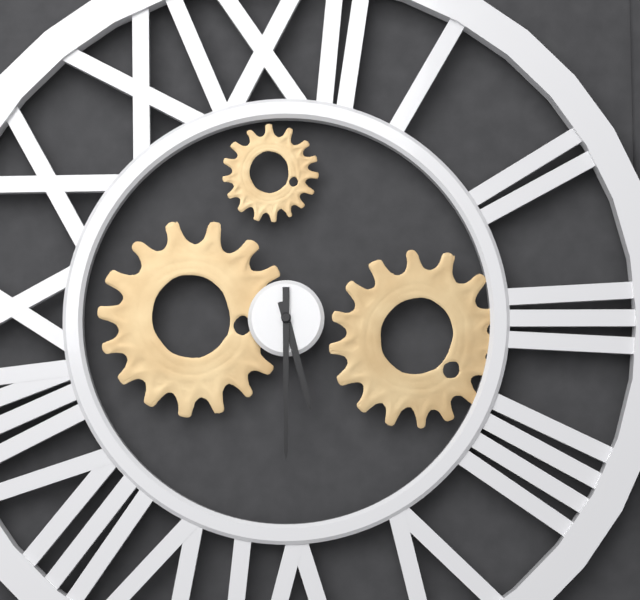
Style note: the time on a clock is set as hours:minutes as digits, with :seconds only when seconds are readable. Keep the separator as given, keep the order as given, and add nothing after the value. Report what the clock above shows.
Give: 5:30
